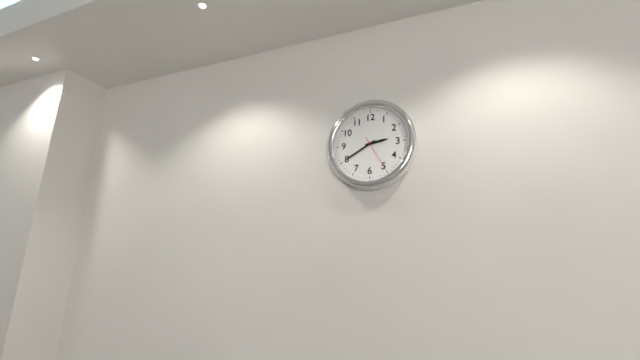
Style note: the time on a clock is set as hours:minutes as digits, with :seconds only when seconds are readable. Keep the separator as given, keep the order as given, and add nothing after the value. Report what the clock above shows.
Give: 2:40
